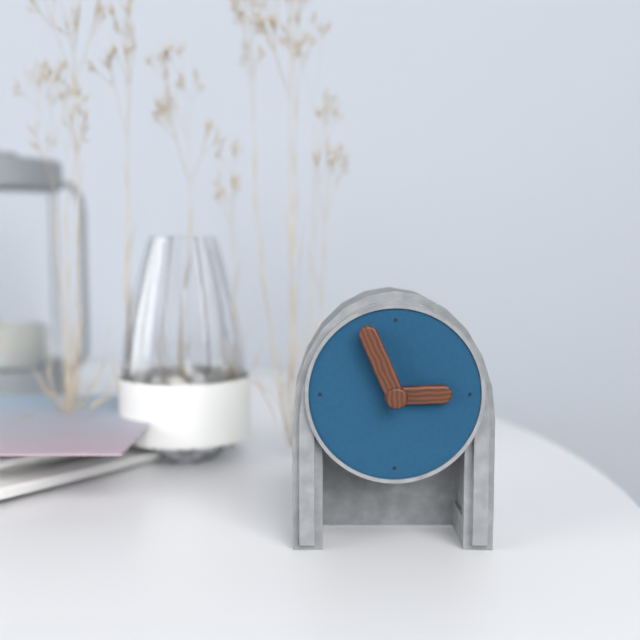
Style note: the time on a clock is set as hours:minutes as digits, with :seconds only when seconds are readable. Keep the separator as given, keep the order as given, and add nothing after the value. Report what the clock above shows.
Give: 2:56
